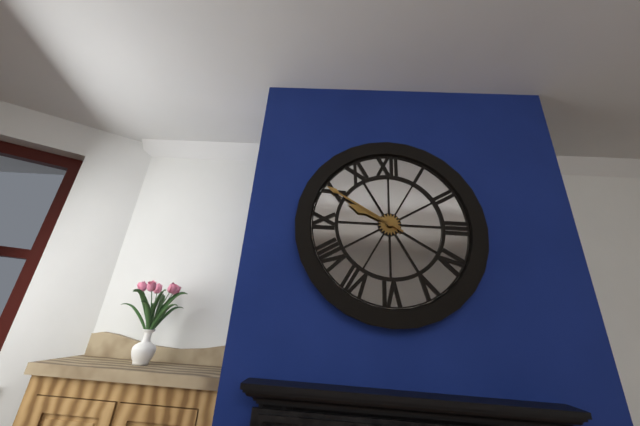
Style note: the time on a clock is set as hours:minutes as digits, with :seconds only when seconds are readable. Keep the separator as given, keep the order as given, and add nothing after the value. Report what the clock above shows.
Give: 9:50
